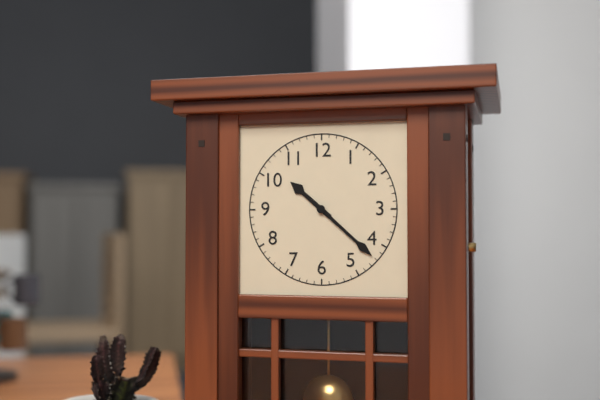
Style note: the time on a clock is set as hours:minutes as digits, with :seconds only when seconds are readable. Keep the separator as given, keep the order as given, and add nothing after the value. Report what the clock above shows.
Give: 10:22
